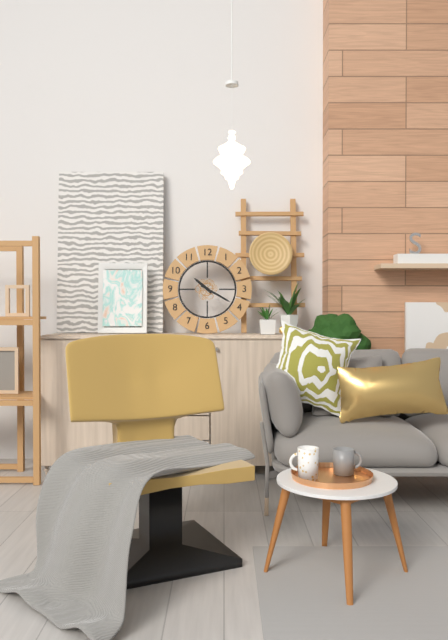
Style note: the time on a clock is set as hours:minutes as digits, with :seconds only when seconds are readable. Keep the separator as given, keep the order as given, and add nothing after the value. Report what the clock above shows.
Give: 10:20
